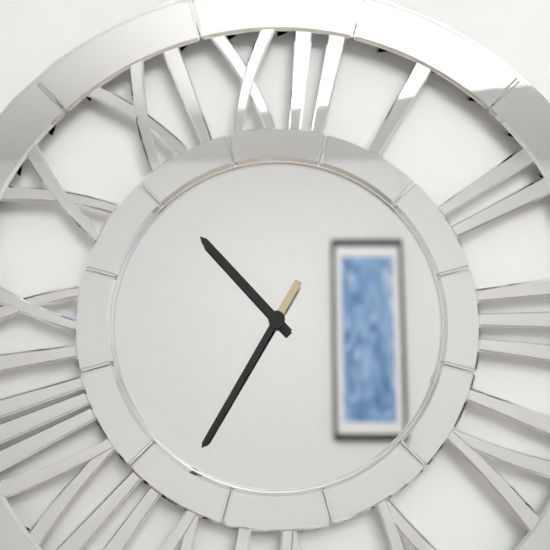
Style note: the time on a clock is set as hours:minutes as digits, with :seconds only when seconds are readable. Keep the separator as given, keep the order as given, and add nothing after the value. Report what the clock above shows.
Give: 10:35
